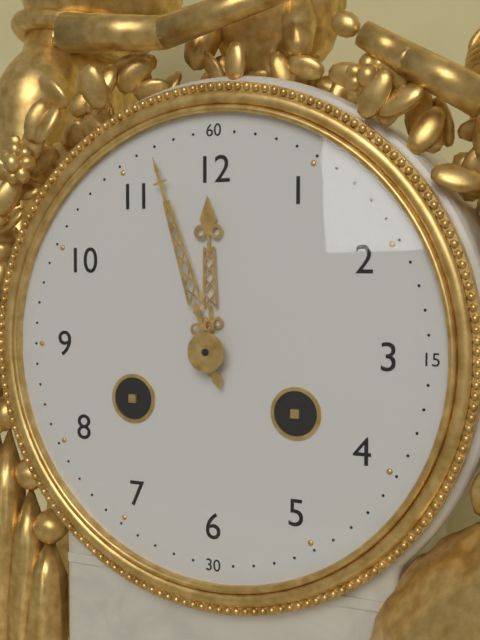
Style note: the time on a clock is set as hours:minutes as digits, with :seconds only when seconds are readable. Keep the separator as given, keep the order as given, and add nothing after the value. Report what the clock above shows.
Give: 11:57
